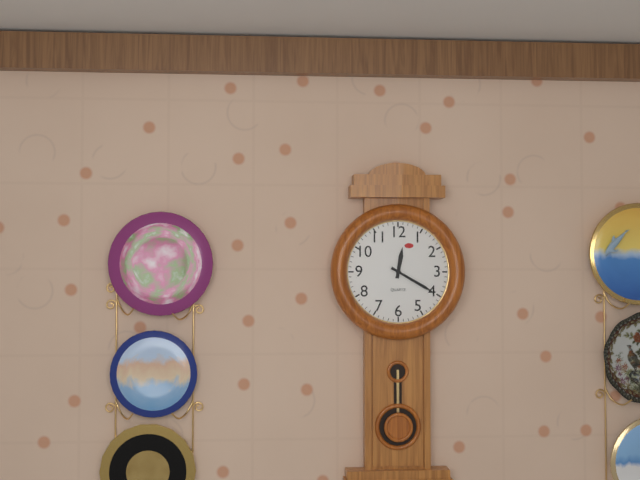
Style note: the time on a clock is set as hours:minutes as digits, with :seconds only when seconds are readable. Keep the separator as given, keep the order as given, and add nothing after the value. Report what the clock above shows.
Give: 12:20
